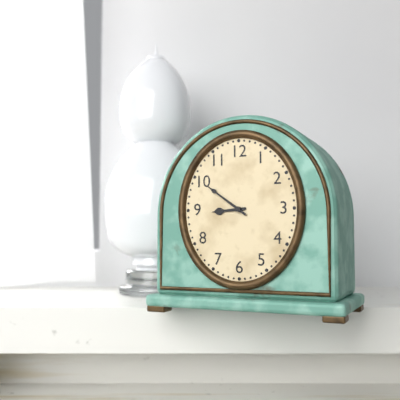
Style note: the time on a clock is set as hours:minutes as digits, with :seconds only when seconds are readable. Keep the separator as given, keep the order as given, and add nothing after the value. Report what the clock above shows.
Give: 8:51
